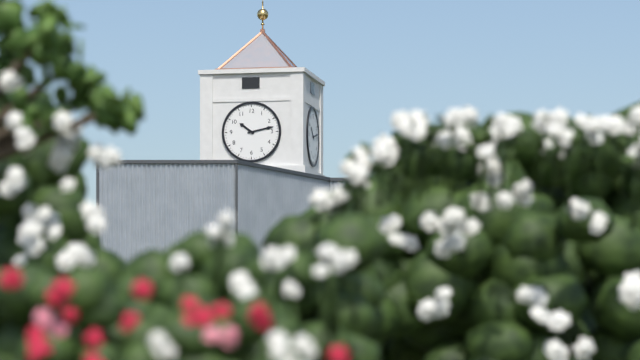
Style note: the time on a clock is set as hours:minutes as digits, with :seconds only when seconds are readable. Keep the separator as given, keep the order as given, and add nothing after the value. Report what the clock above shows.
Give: 10:13
